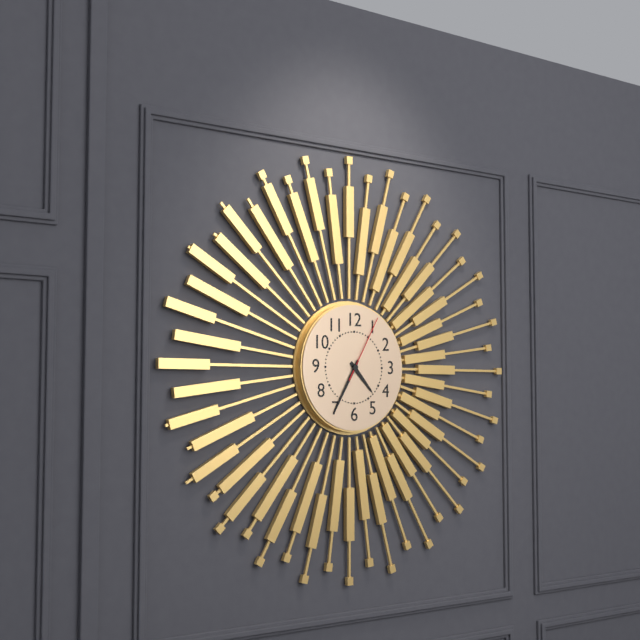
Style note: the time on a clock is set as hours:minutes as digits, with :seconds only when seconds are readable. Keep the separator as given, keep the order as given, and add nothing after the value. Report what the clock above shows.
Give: 4:35:05
